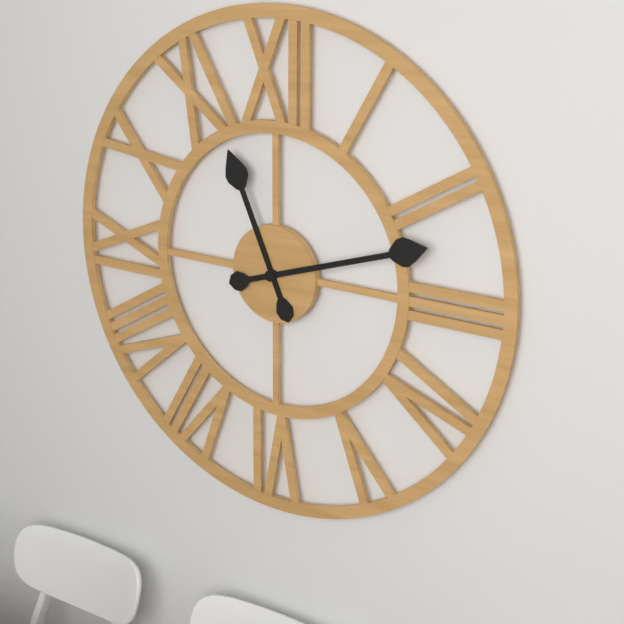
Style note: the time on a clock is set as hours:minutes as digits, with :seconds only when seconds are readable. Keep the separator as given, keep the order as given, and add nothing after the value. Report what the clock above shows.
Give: 11:12
